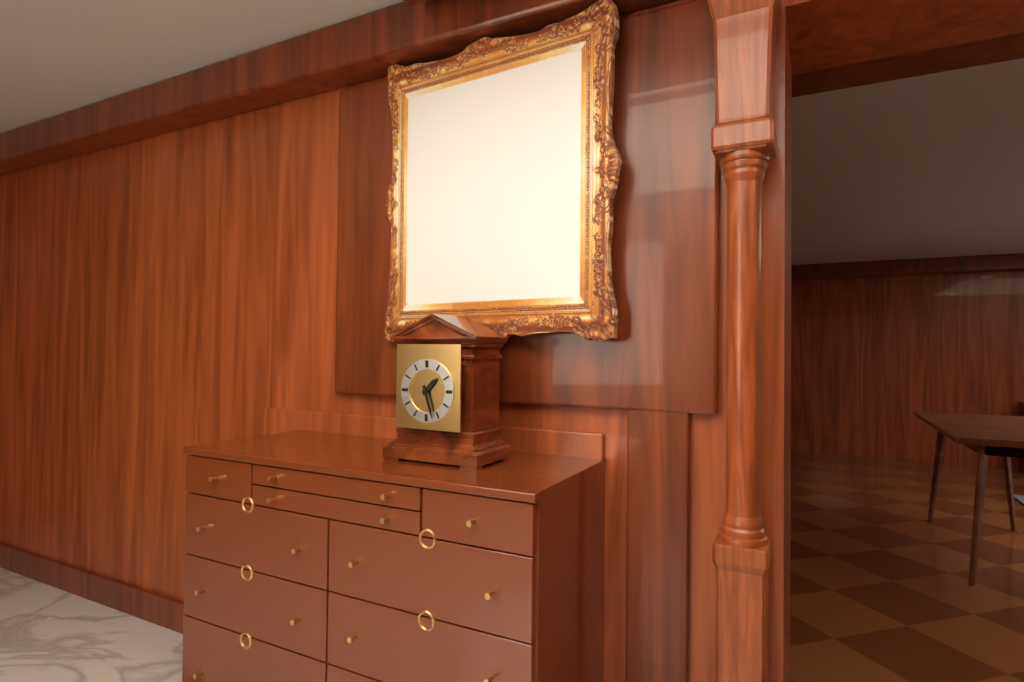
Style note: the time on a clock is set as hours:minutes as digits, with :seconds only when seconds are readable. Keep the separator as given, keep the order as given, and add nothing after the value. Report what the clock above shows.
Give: 1:27
